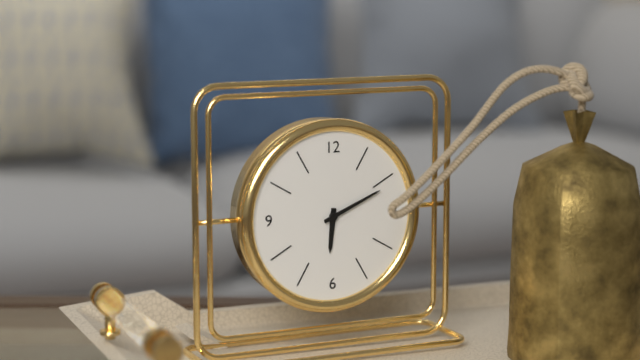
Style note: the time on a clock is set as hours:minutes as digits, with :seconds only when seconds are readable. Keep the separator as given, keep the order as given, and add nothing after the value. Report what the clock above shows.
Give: 6:11
